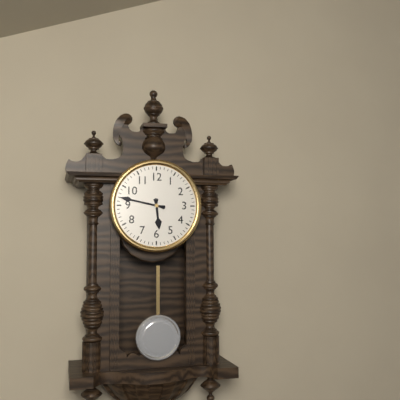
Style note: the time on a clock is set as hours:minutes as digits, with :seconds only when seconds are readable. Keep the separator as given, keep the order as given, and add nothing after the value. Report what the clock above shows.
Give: 5:47
